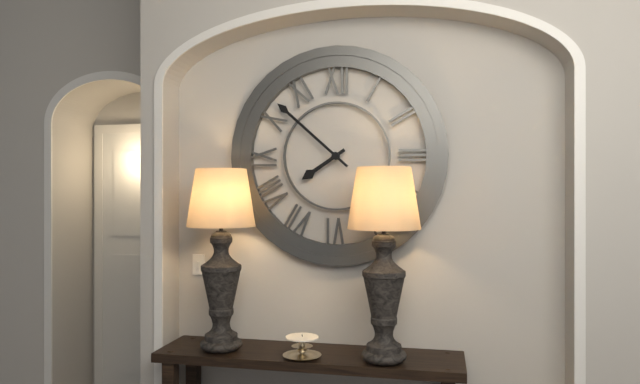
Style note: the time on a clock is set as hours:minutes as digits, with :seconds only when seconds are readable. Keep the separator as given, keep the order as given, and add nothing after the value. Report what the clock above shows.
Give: 7:52
